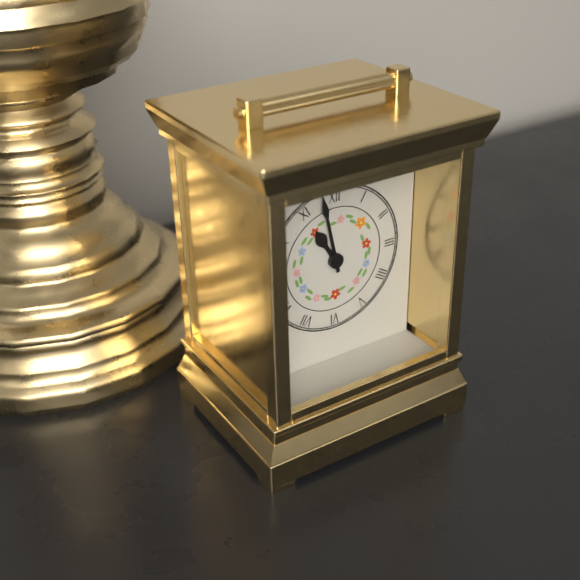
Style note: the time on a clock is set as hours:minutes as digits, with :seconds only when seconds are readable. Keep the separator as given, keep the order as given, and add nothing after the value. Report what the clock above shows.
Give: 10:58
